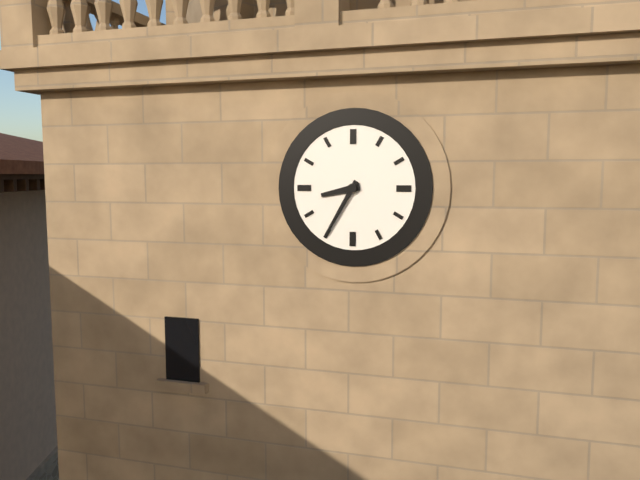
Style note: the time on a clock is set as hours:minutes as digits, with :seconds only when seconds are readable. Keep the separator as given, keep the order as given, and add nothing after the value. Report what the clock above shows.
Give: 8:35
